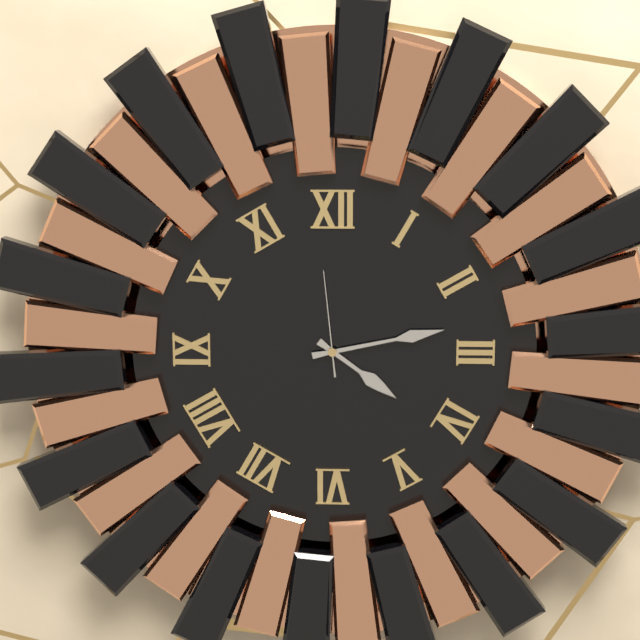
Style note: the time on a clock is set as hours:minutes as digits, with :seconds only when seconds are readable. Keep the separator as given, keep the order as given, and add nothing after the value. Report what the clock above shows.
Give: 4:13:59
